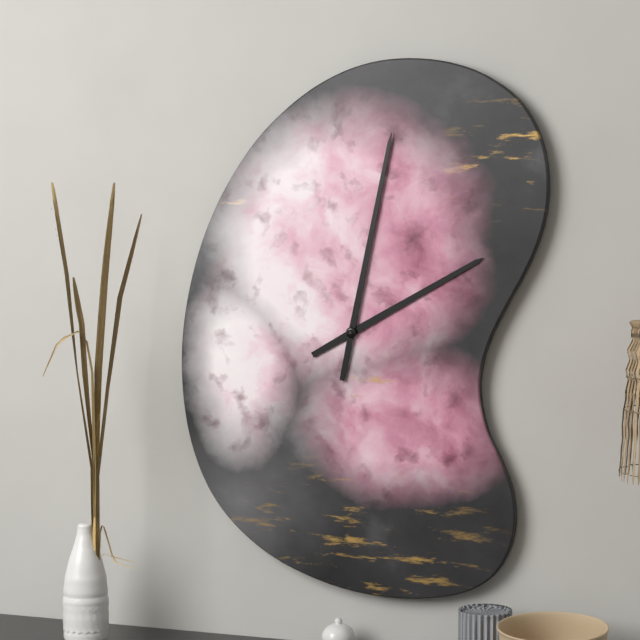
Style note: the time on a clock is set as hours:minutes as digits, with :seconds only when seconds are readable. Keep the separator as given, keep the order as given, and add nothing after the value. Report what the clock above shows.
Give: 2:02
